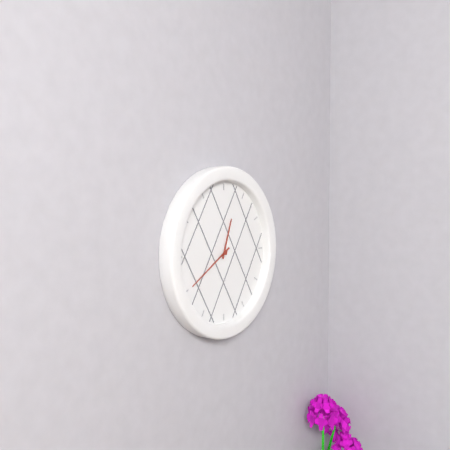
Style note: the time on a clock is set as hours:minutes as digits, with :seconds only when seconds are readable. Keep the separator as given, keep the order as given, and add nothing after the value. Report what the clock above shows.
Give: 12:40
